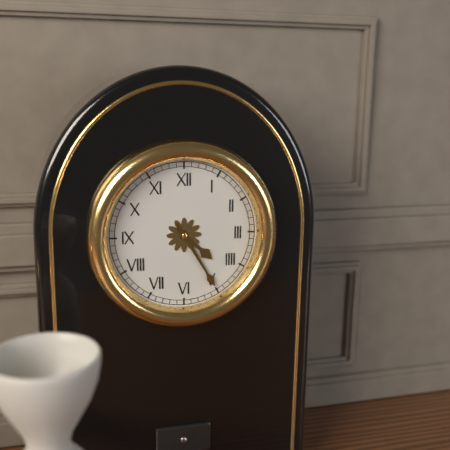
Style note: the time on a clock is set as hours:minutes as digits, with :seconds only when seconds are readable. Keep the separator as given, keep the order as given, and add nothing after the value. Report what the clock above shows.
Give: 4:25
